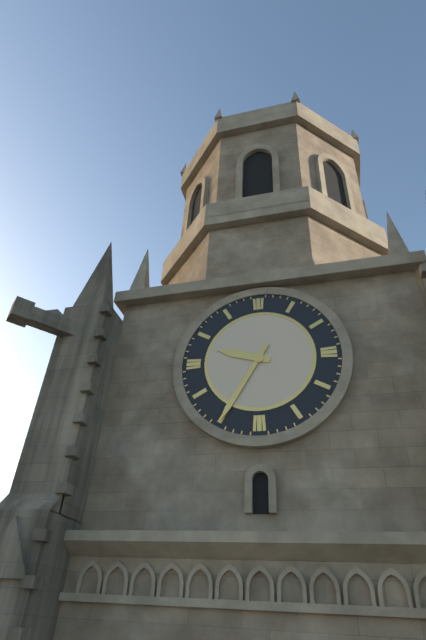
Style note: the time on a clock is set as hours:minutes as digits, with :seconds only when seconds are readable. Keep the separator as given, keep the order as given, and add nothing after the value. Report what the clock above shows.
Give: 9:35
